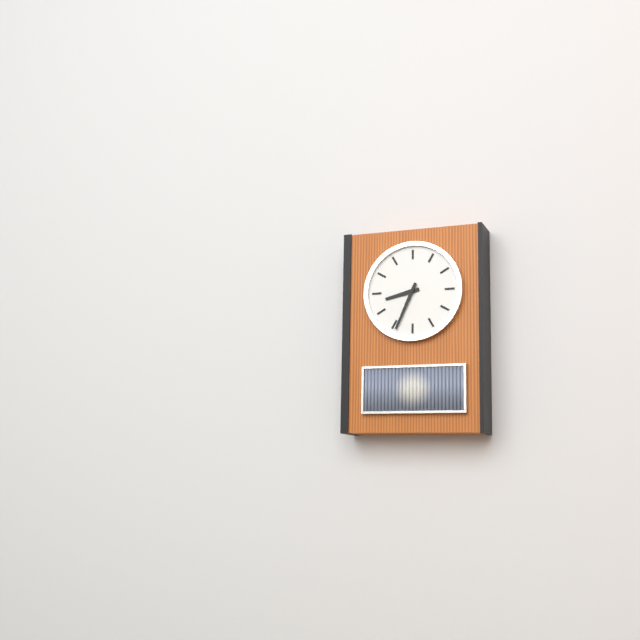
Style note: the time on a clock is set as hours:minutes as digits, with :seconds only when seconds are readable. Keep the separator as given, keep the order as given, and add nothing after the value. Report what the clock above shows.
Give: 8:34
